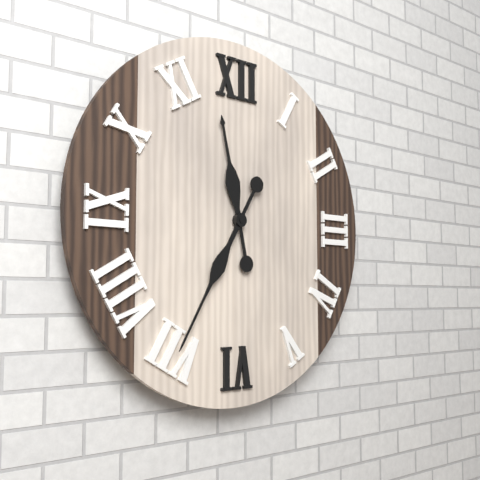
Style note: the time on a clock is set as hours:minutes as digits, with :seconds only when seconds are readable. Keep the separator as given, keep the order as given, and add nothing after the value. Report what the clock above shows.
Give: 11:35
